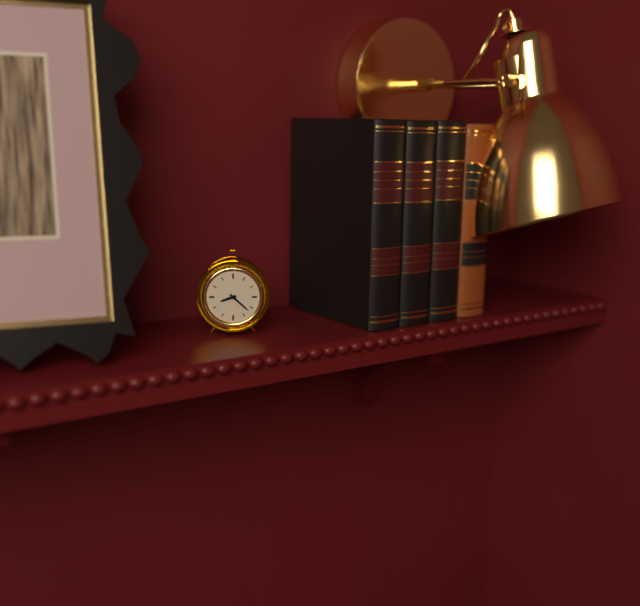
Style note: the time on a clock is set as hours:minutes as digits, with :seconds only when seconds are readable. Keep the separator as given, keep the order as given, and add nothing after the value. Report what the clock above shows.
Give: 8:22
